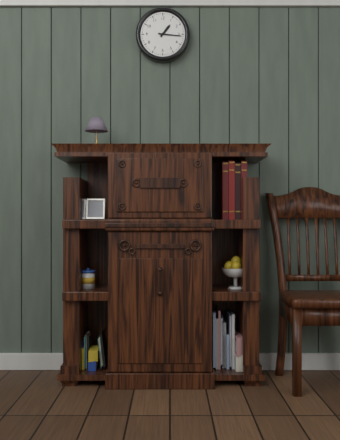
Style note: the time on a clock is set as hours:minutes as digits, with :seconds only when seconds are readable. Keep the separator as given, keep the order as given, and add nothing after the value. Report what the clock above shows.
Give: 1:16
